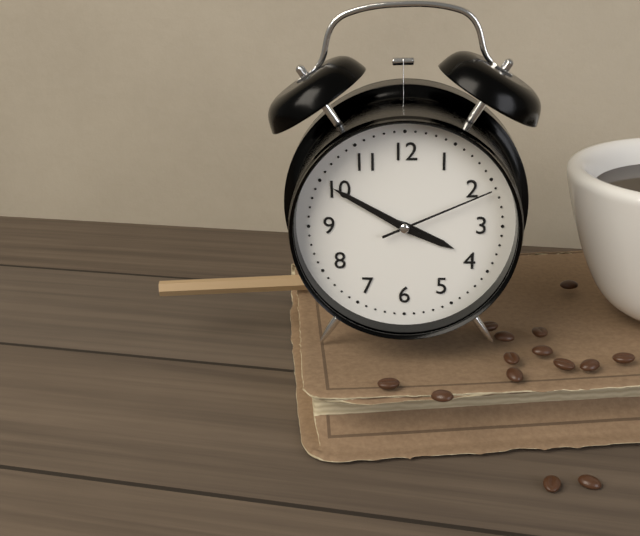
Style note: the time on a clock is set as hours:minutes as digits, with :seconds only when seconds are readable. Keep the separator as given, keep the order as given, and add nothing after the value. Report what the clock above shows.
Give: 3:50:11
